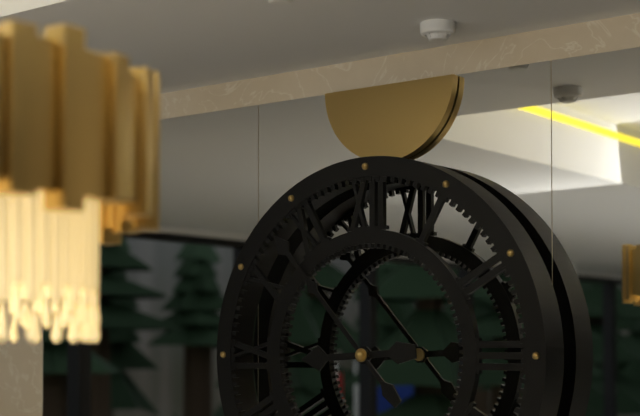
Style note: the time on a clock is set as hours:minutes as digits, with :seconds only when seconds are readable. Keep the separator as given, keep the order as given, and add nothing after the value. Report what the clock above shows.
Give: 8:53
